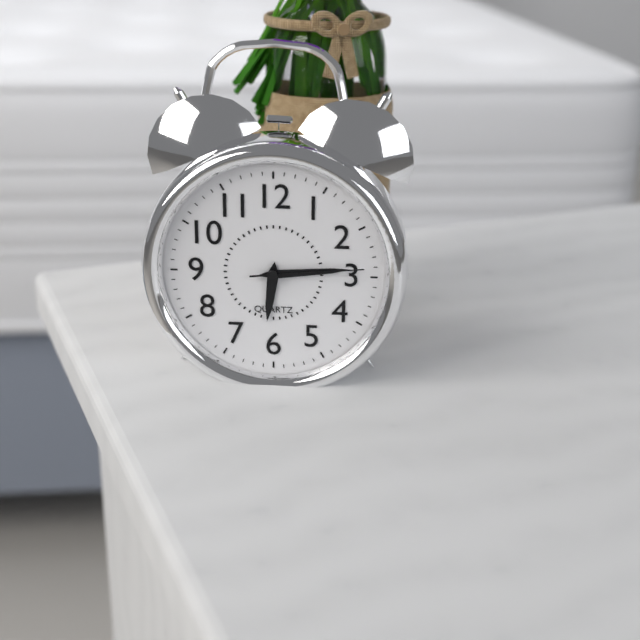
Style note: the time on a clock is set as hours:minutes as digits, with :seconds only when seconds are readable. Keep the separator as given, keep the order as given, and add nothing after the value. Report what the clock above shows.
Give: 6:14:14
